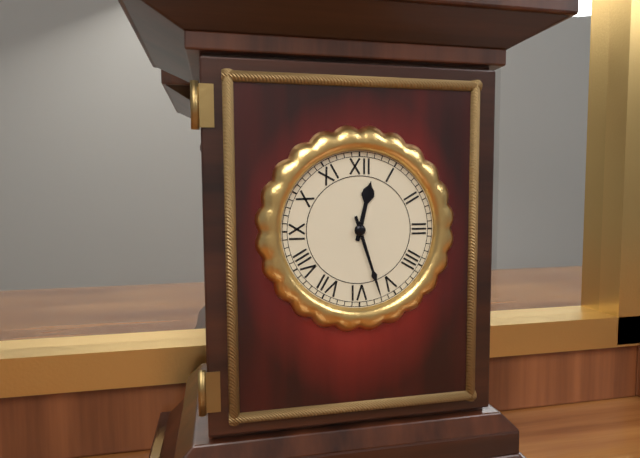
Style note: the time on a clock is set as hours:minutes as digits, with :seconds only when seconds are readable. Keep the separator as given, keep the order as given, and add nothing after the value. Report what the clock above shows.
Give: 12:27
